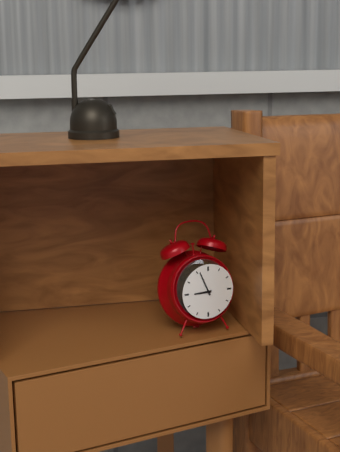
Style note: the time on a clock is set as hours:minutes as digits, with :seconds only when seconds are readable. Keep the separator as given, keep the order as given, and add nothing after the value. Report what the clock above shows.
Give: 8:56
